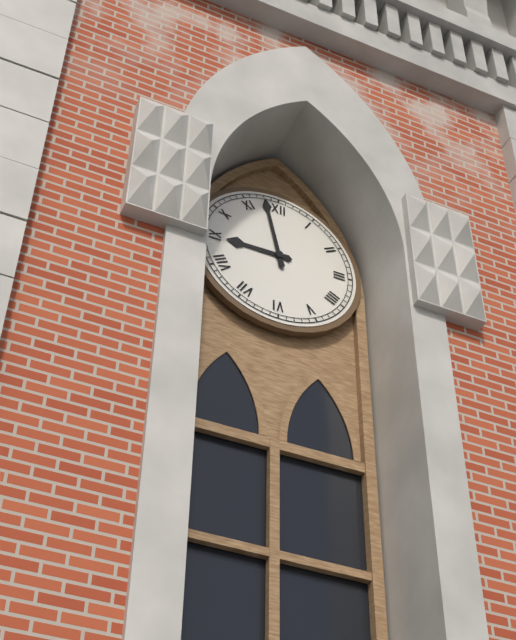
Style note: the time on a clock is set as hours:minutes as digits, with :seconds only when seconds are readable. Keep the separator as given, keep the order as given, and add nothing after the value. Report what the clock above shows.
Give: 8:58
